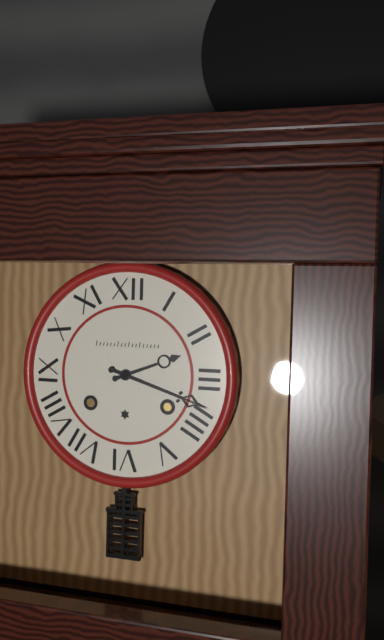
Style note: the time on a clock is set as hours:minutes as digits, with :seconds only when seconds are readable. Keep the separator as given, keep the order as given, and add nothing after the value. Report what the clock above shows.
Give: 2:18
